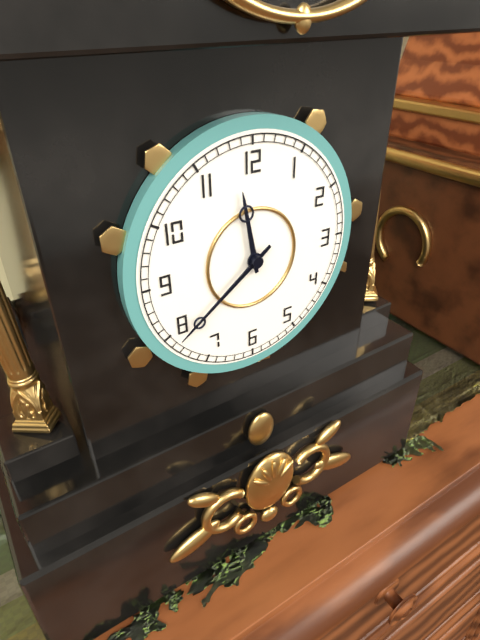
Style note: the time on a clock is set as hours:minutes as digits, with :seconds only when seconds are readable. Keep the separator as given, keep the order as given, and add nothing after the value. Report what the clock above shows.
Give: 11:39
